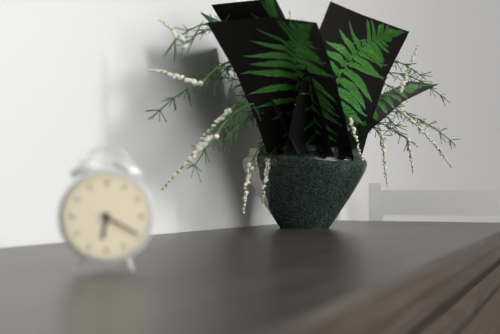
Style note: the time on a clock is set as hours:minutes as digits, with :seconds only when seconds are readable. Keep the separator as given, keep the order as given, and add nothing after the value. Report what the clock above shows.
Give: 6:20
